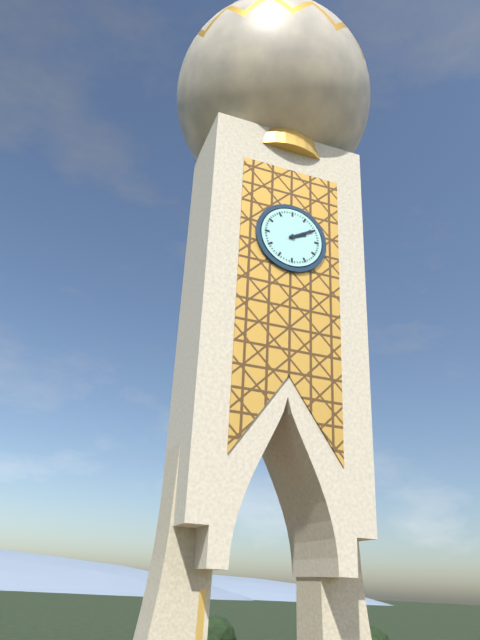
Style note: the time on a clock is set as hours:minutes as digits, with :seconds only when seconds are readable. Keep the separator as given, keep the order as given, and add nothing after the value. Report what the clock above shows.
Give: 2:10
